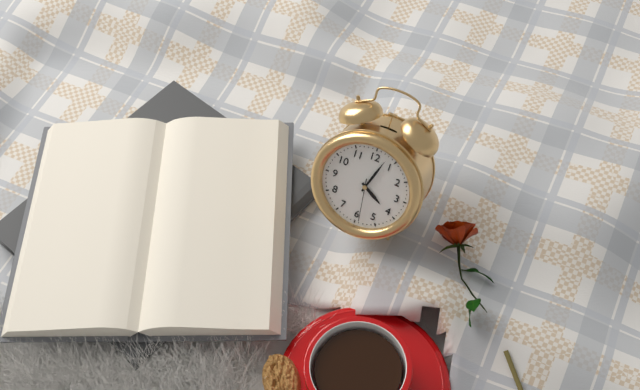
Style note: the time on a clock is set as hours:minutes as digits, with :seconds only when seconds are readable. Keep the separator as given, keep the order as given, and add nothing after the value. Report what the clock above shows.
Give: 4:03
